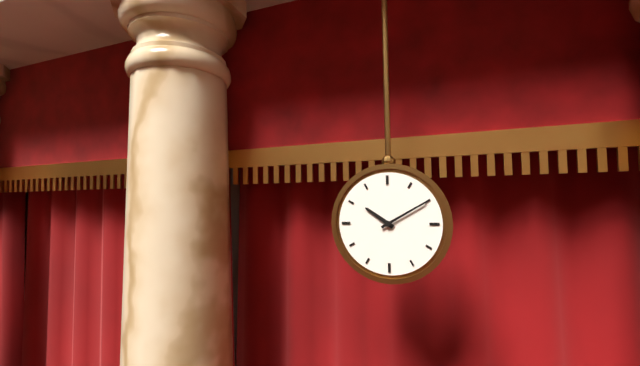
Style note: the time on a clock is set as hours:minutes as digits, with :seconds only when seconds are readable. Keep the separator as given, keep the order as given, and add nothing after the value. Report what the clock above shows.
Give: 10:10
